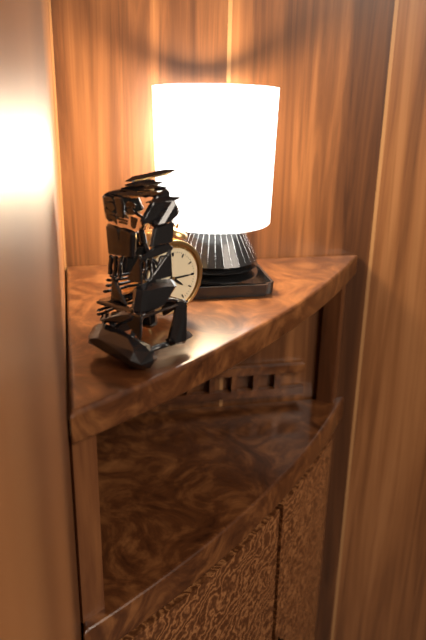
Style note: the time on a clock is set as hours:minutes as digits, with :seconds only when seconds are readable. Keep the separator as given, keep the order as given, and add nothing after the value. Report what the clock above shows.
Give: 4:15
